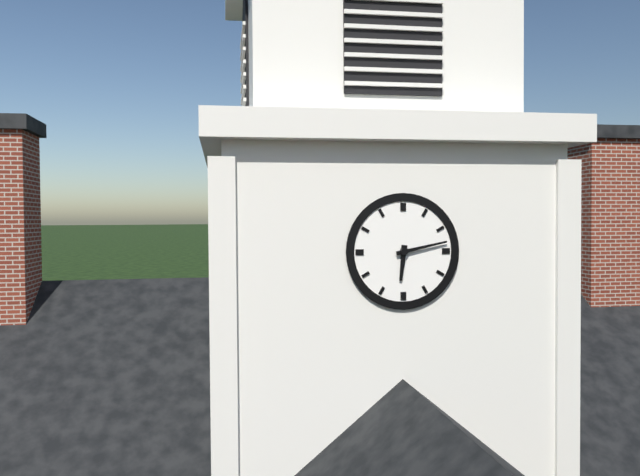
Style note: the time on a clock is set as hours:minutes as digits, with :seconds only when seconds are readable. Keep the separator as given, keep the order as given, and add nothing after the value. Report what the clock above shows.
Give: 6:13
